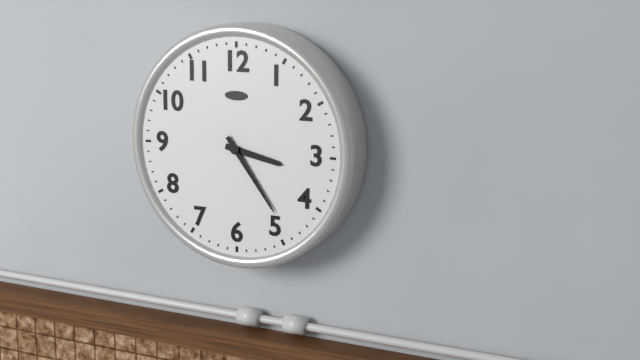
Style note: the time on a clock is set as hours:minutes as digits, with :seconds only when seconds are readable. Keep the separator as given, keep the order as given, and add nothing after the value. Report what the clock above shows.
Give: 3:24
